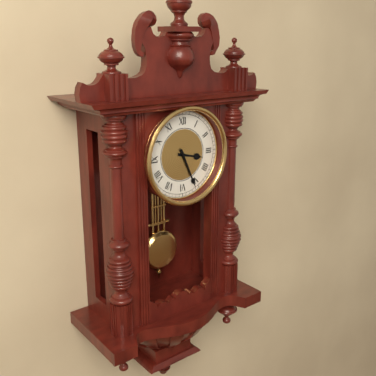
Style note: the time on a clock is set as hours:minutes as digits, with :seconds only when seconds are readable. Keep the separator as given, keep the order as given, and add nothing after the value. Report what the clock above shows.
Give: 3:26
